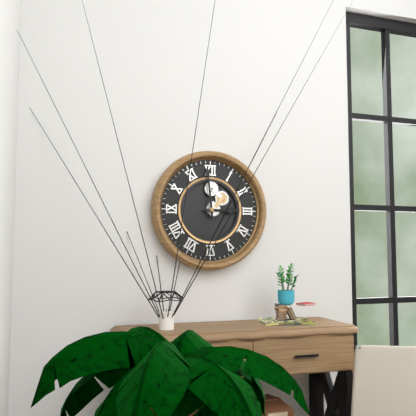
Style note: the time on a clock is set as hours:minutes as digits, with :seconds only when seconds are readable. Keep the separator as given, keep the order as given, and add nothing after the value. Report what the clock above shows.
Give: 2:59
